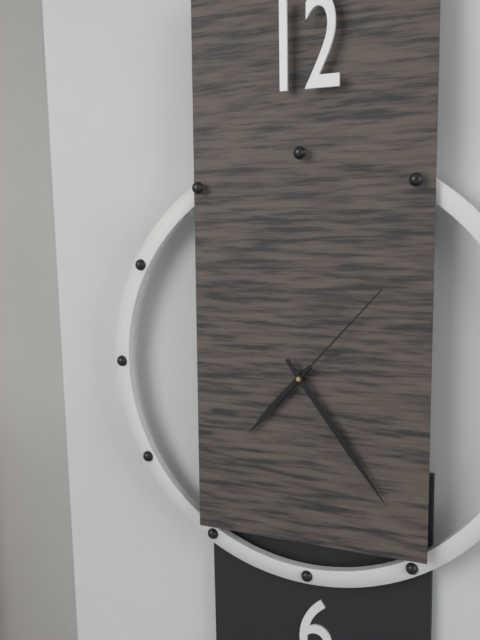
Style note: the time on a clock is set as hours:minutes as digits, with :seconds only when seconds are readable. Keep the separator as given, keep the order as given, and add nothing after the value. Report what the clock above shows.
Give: 7:24:07
